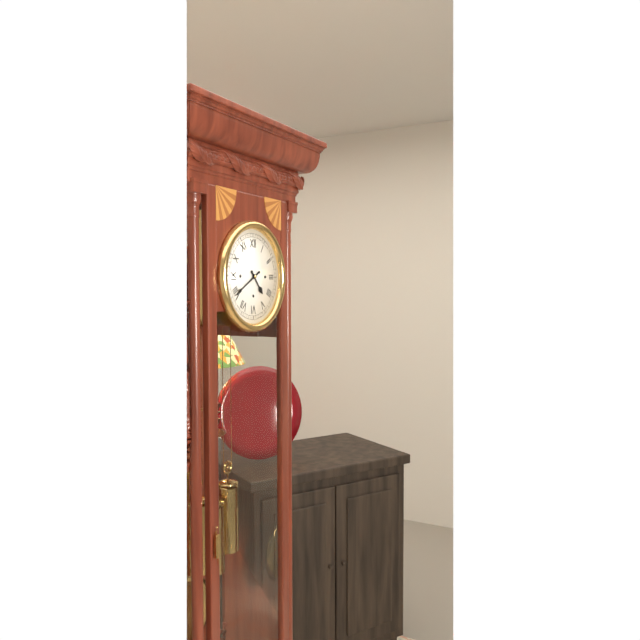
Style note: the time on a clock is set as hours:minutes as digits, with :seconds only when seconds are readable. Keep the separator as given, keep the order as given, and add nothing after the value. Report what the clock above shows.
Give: 4:40
